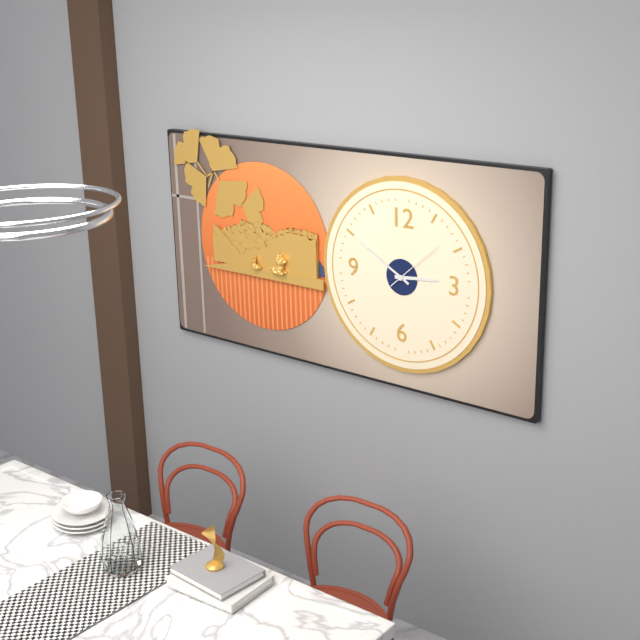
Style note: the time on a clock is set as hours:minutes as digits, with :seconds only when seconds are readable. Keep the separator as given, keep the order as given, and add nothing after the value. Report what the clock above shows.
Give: 2:50:08
